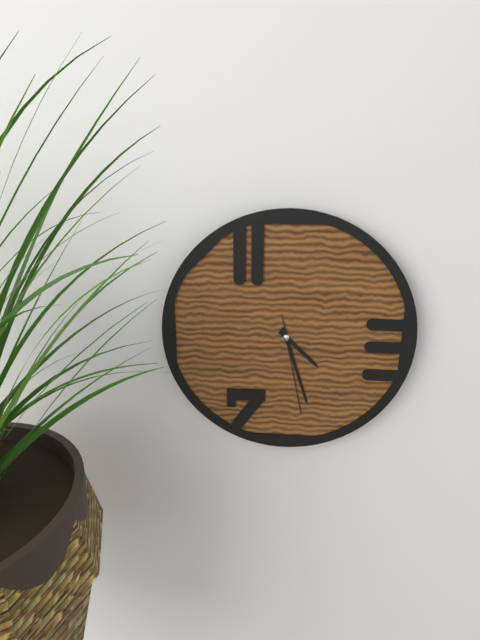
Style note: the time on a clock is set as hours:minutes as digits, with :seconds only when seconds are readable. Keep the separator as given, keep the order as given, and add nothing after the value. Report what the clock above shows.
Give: 4:27:28
